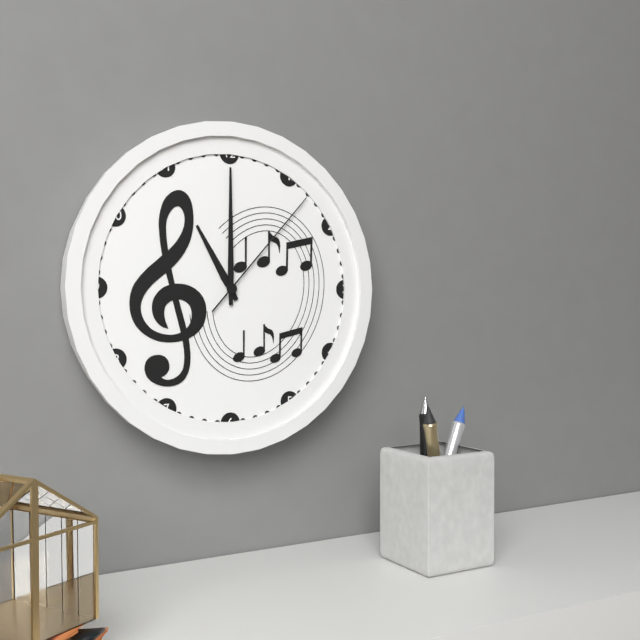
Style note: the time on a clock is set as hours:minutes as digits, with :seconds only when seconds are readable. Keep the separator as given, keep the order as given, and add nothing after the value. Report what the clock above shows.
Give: 11:00:07
